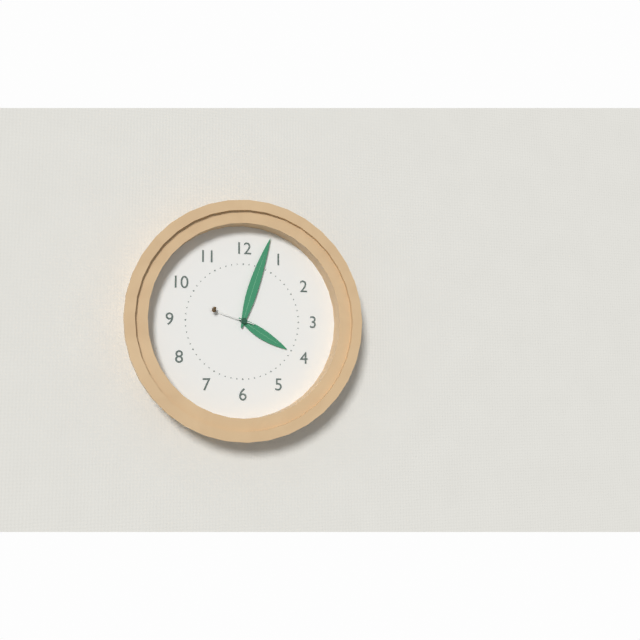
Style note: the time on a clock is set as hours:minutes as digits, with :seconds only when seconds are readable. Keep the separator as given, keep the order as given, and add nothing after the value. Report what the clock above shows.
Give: 4:03
